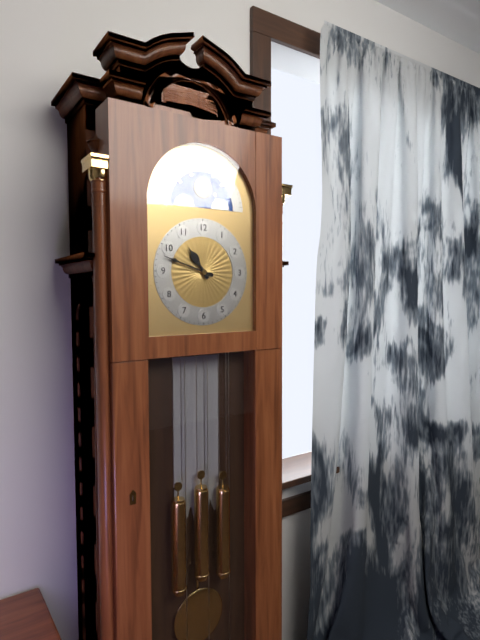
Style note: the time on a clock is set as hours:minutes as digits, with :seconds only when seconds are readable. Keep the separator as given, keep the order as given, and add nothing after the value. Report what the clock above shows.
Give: 10:48
